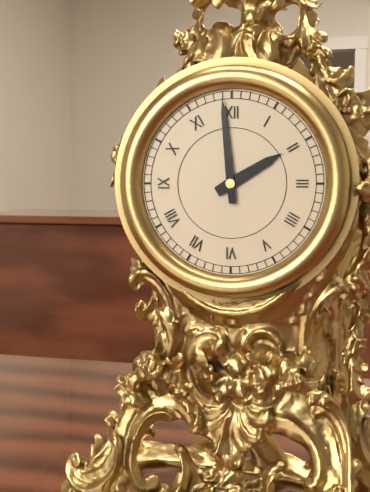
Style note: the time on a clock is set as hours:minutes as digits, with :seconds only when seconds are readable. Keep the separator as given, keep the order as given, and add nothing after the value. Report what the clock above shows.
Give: 1:59
